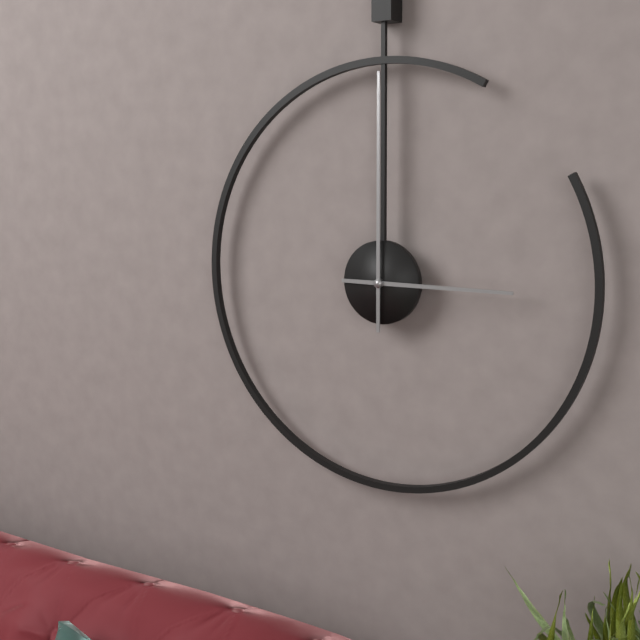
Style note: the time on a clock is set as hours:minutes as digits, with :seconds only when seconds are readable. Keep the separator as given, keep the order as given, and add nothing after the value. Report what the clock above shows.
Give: 3:00
